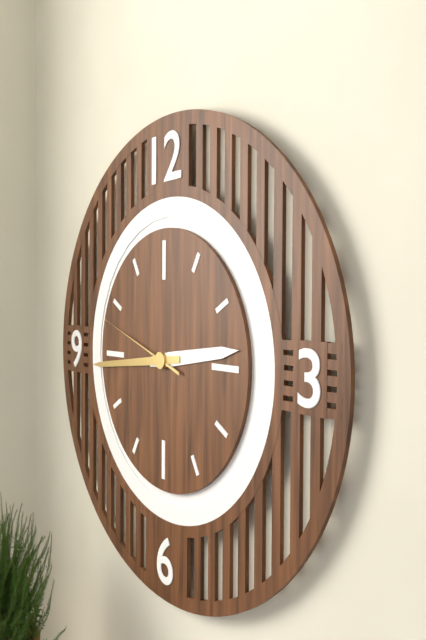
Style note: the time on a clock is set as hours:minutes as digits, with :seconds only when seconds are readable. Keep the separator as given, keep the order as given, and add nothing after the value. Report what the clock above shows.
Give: 2:44:48
